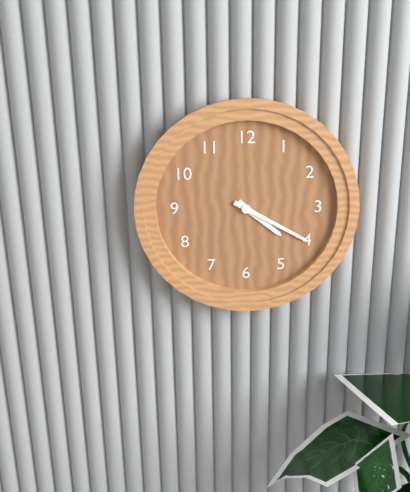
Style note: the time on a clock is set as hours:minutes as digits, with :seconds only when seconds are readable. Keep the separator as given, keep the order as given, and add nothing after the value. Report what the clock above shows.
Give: 4:20
